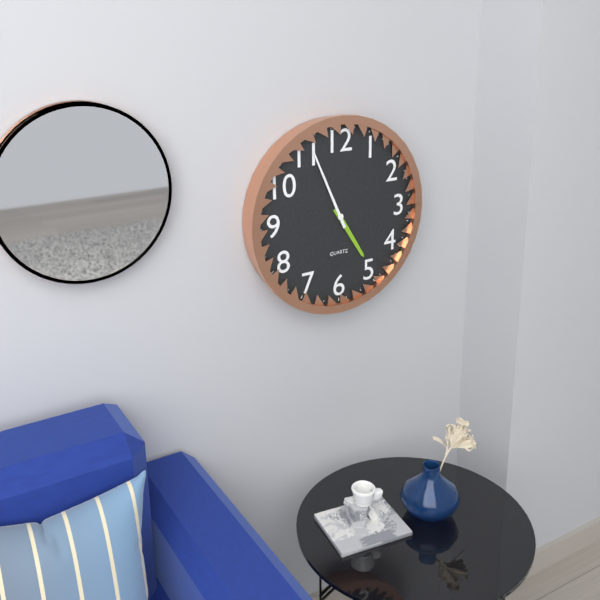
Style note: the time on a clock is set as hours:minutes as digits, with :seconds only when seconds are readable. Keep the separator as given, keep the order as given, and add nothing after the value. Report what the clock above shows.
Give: 4:56
